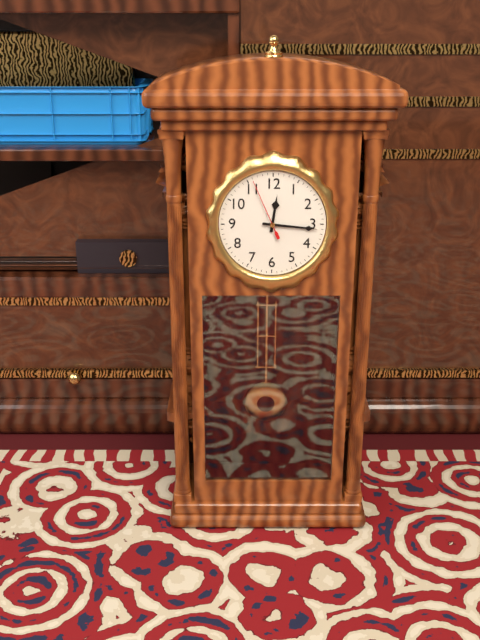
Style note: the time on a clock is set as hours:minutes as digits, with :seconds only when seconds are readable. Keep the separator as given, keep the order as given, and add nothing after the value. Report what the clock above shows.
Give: 12:16:56
